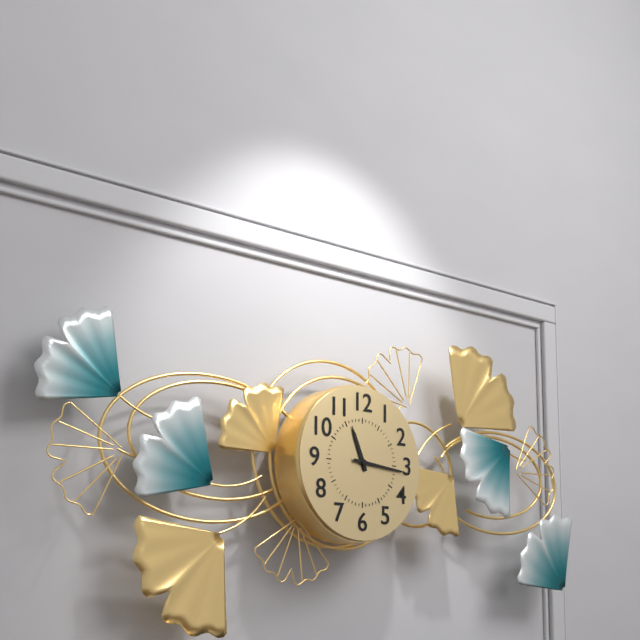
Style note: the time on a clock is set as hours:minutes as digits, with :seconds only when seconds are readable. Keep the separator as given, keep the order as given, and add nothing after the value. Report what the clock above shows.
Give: 11:16
